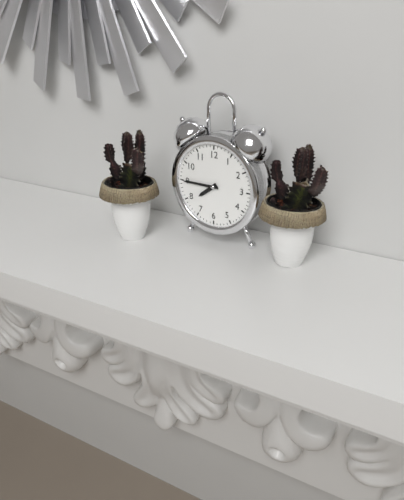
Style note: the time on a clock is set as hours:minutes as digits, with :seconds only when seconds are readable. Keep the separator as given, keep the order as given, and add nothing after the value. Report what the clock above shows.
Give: 7:45
